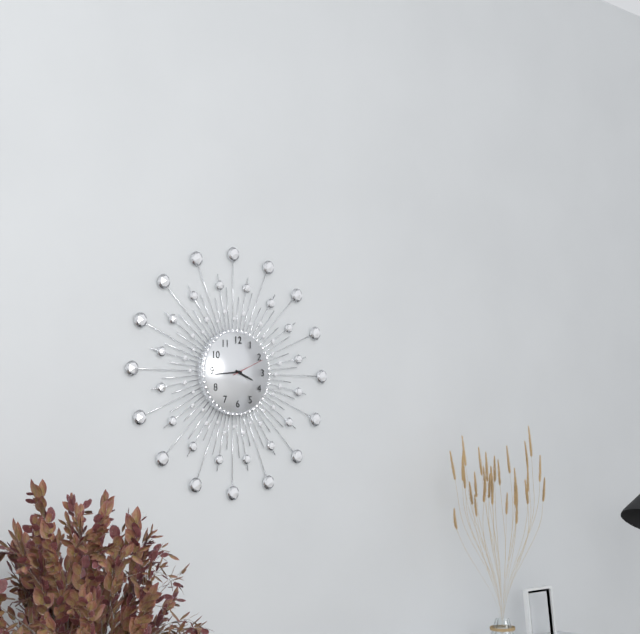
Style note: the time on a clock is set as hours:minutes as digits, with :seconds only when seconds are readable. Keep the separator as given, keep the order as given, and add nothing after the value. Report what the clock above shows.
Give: 3:44
